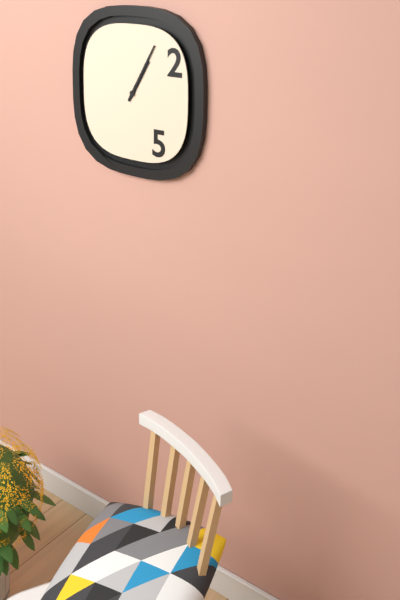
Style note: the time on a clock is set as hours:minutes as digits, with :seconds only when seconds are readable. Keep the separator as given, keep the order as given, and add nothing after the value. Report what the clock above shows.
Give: 1:05
